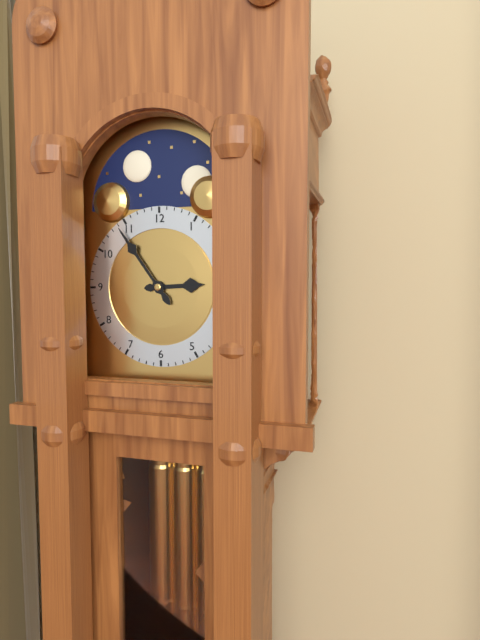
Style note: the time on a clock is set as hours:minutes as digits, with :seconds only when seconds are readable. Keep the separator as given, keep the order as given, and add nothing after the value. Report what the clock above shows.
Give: 2:54
